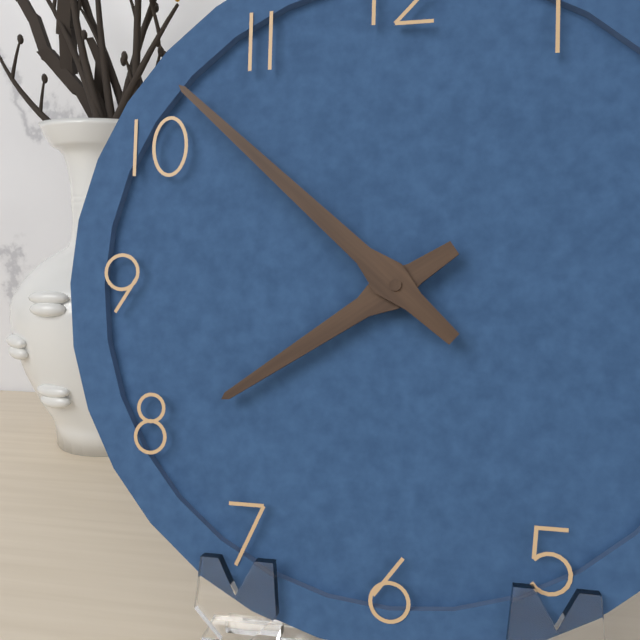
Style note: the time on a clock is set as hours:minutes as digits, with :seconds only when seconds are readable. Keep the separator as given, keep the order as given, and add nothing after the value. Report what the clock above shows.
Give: 7:52
